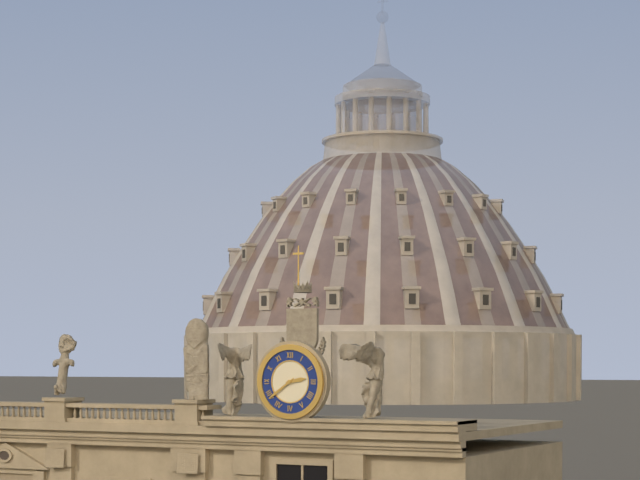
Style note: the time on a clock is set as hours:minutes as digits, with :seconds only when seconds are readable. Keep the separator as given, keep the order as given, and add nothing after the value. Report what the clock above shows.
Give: 2:39
